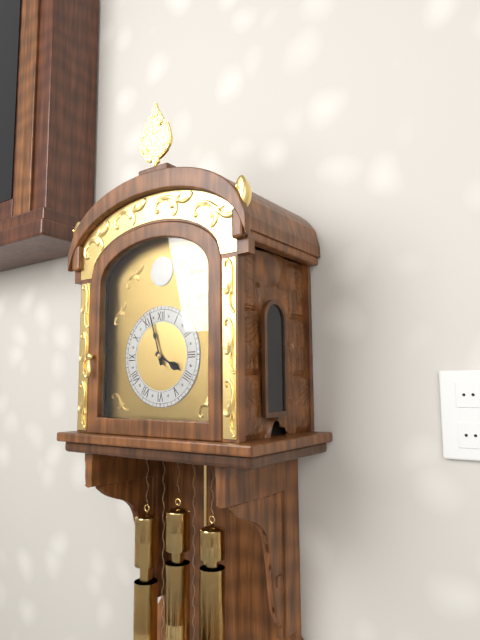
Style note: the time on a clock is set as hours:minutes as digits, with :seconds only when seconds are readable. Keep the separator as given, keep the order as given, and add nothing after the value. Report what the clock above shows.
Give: 3:57
